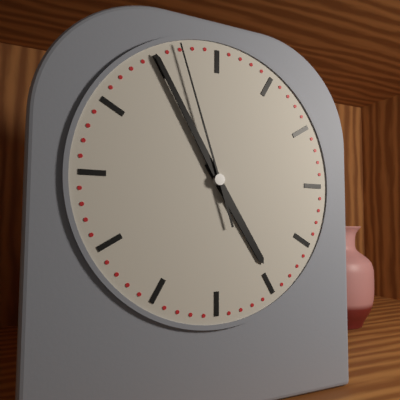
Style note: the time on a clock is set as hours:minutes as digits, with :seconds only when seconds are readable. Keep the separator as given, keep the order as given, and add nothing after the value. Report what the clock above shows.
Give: 4:55:57
